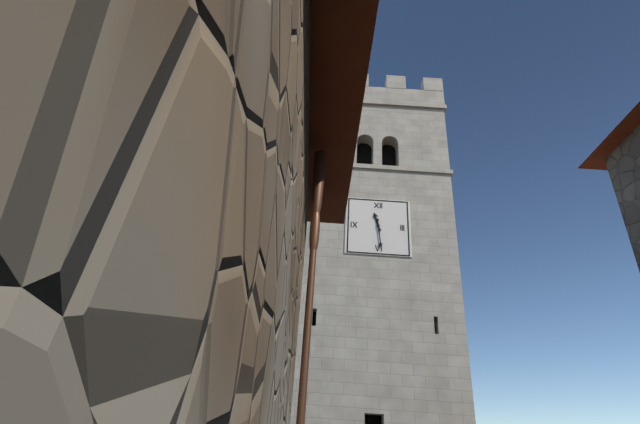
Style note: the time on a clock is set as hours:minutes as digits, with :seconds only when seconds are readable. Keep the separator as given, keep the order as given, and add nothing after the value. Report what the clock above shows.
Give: 11:29
